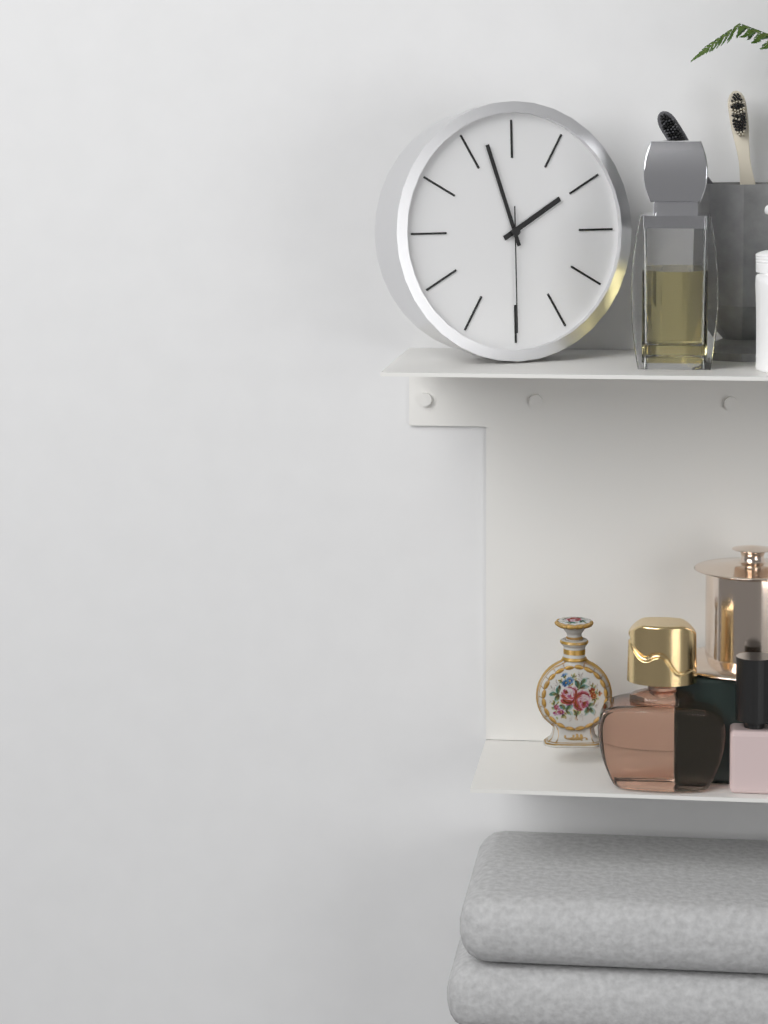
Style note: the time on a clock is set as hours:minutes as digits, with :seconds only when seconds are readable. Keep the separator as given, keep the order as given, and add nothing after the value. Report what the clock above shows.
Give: 1:57:30
